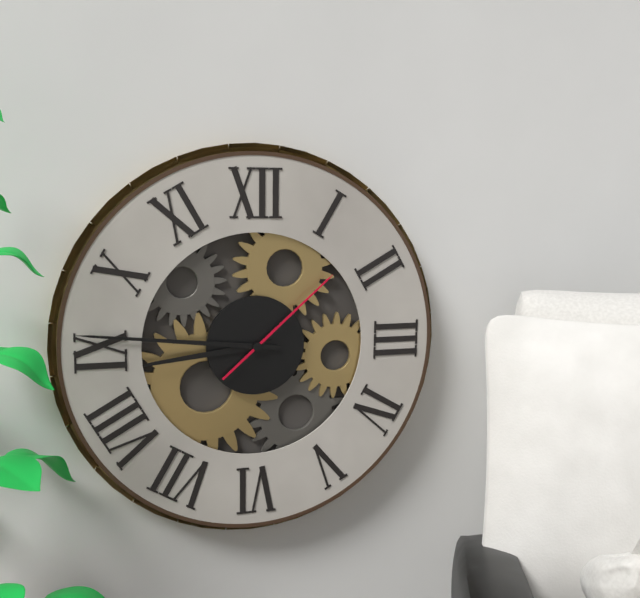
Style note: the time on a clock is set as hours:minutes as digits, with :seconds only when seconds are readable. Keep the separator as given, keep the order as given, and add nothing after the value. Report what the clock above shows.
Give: 8:46:08
